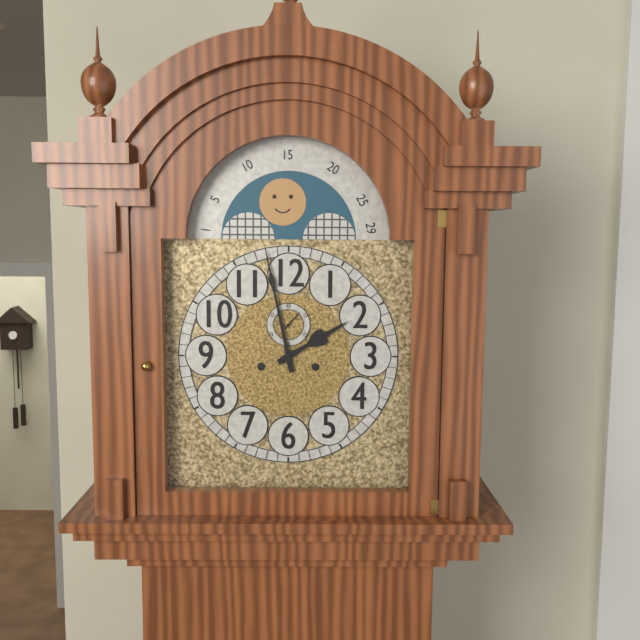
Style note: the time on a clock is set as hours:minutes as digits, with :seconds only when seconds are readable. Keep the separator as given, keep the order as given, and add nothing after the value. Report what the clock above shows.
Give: 1:58
